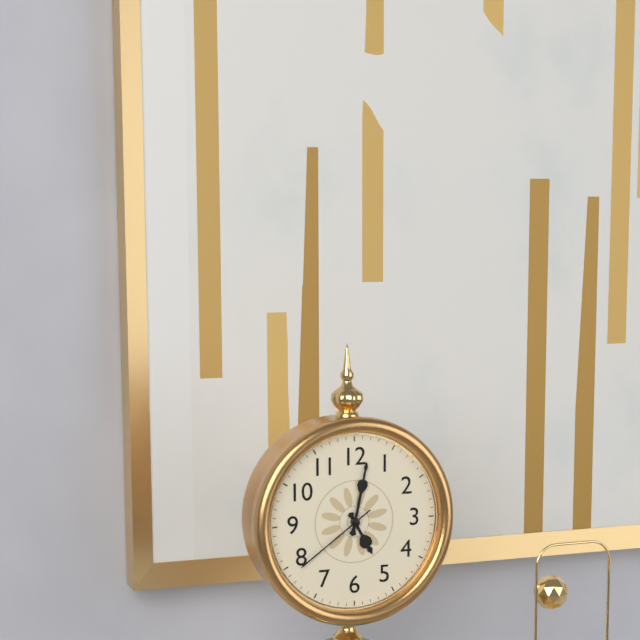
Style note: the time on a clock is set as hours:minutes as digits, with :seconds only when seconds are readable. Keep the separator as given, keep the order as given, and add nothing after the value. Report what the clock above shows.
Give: 5:02:39
